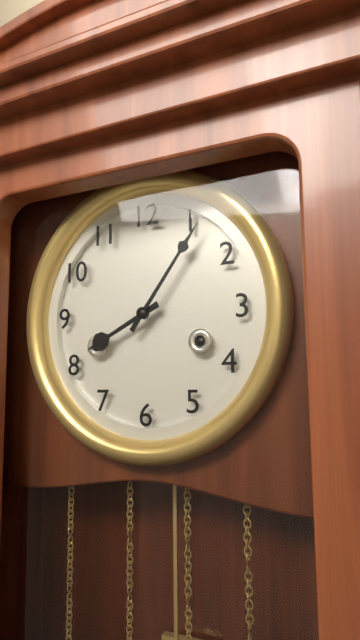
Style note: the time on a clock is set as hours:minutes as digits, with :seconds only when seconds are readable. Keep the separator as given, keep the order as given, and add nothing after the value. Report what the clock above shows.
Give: 8:06
